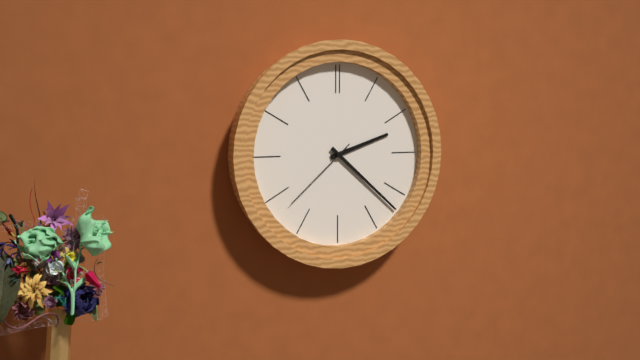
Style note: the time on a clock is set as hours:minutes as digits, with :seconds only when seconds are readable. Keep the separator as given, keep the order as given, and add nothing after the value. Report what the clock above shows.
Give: 2:22:38
